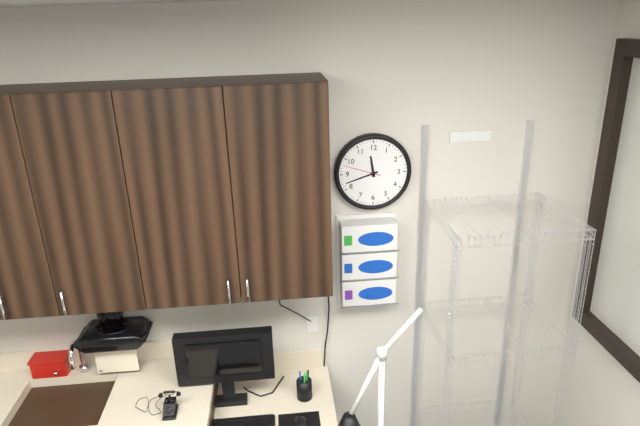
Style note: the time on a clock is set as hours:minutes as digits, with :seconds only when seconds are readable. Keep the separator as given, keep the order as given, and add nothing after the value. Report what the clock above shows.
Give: 11:42
